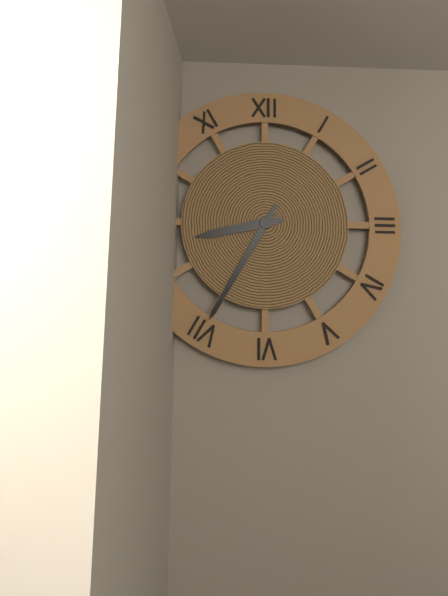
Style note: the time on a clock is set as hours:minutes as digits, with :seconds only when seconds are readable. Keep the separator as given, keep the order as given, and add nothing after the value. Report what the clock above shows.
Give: 8:35
